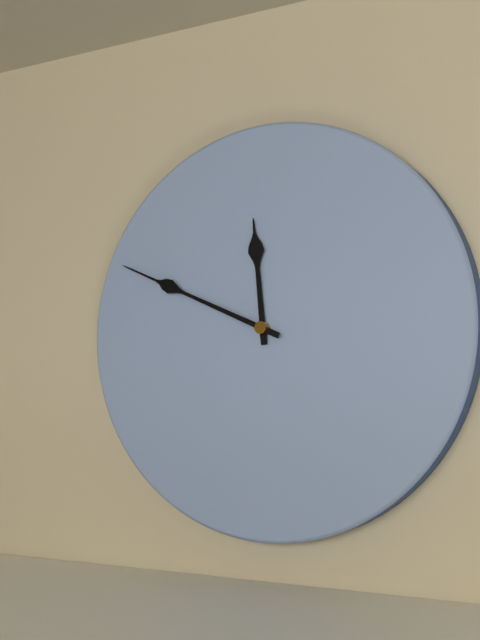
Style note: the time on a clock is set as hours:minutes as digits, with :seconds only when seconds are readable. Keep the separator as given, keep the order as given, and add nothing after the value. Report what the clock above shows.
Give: 11:49
